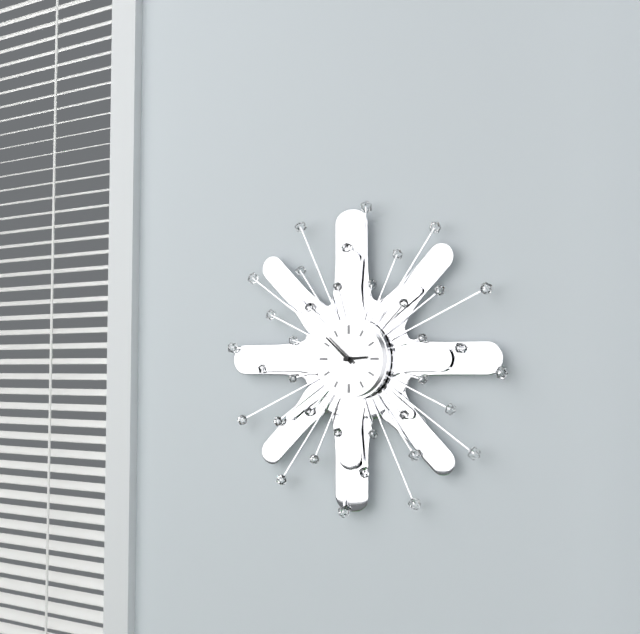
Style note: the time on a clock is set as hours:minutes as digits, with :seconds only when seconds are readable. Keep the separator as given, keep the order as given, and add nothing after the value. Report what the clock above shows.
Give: 2:52
